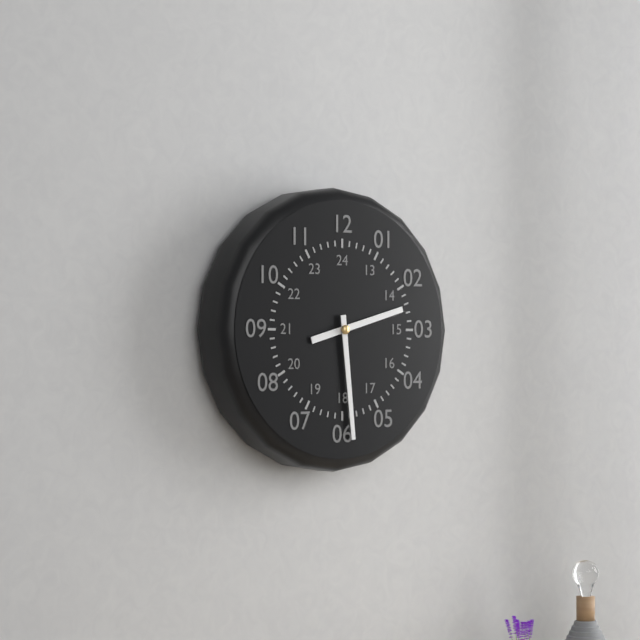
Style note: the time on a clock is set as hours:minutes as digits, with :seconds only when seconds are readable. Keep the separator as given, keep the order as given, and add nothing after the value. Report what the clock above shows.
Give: 2:29
